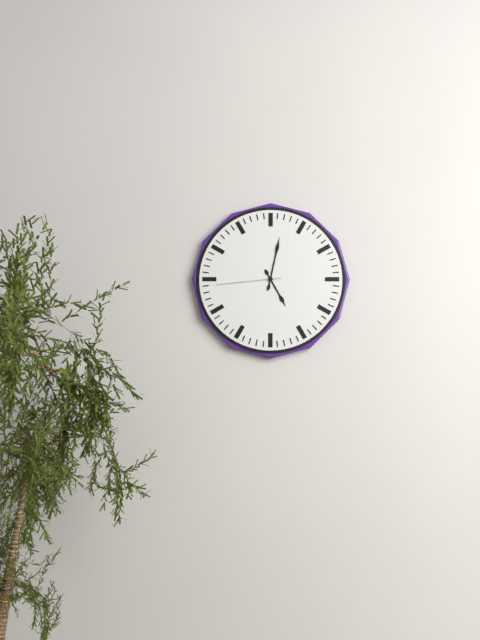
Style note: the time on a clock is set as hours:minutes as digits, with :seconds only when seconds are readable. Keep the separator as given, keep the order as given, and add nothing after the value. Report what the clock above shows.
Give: 5:02:44
